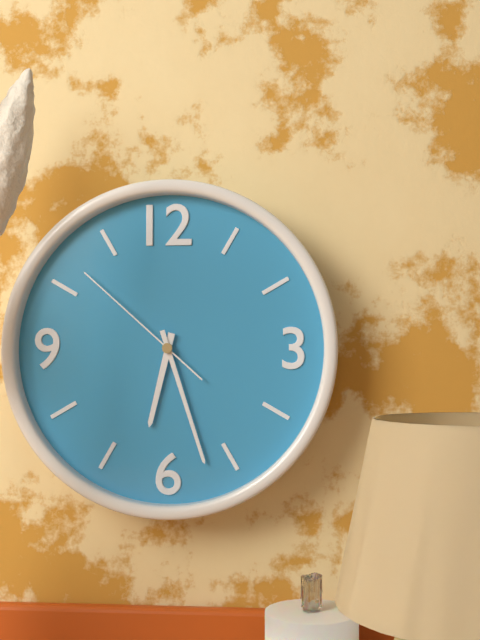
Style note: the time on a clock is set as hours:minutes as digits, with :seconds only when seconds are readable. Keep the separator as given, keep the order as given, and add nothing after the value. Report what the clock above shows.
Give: 6:27:52
